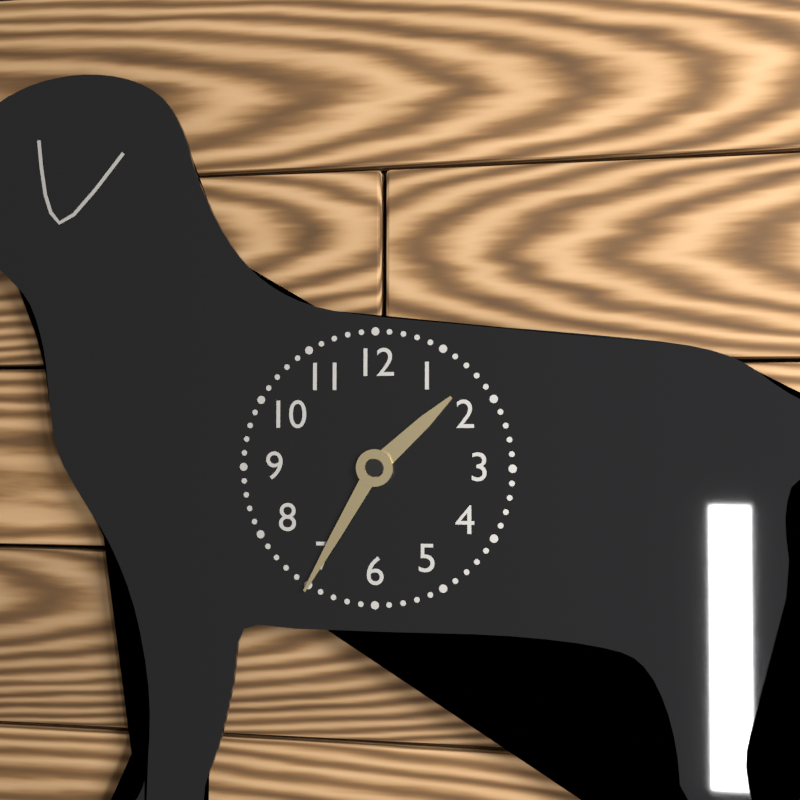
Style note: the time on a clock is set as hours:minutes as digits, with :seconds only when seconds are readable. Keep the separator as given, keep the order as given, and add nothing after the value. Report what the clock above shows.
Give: 1:35
